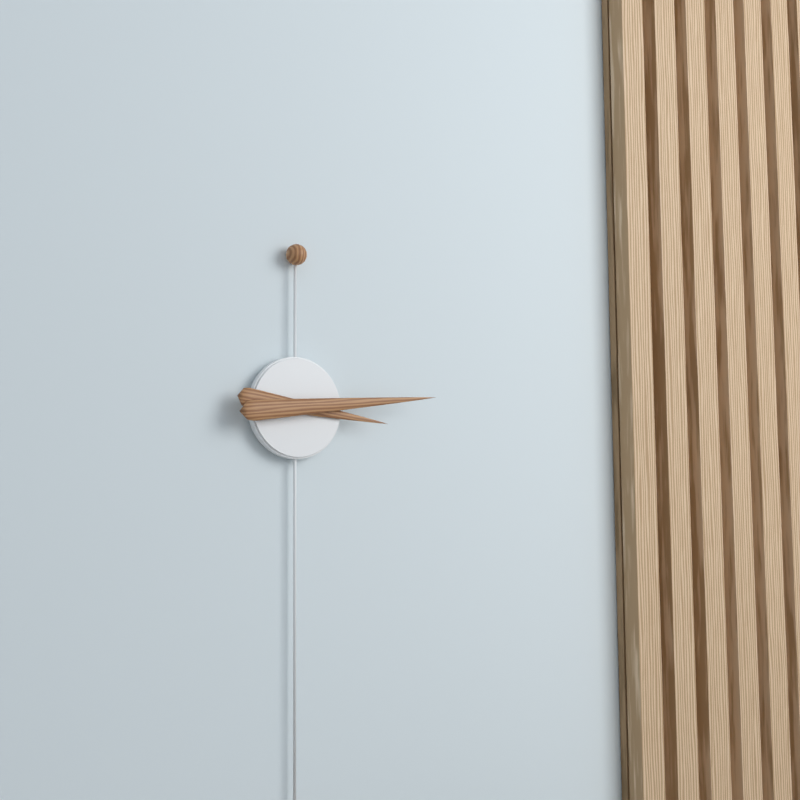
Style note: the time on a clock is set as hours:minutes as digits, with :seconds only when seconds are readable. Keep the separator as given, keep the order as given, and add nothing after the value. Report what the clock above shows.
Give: 3:14
